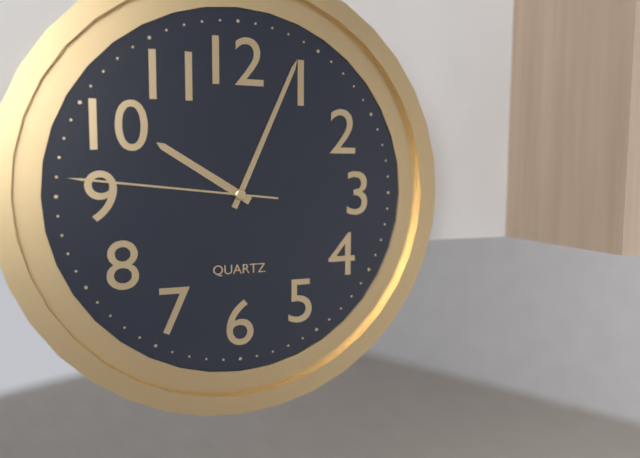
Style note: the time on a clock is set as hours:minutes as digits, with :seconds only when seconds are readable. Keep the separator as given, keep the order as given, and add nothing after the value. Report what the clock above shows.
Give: 10:04:46
